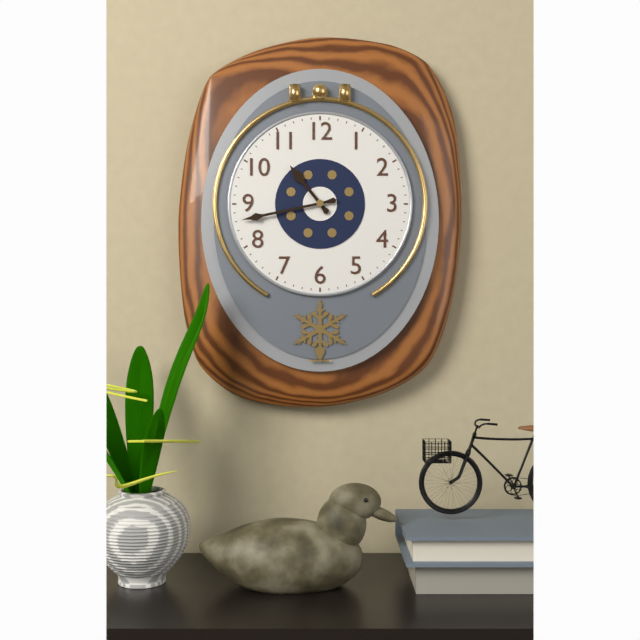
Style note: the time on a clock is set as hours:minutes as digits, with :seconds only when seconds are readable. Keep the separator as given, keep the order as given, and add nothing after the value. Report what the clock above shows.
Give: 10:43
